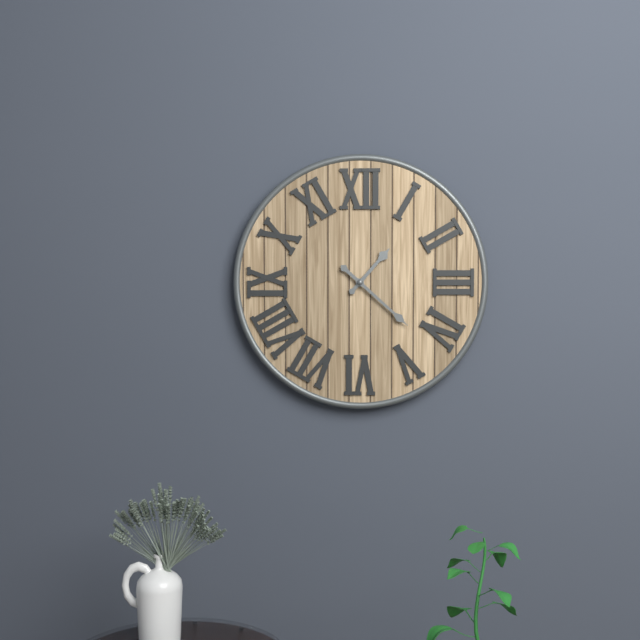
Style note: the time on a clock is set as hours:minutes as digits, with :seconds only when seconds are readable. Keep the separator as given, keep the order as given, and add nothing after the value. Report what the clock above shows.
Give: 1:22
